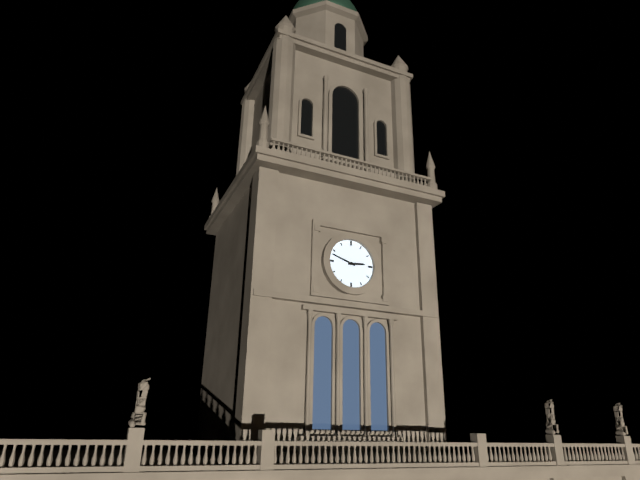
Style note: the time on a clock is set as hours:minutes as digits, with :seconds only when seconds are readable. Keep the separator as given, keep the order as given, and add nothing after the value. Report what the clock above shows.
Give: 2:48
